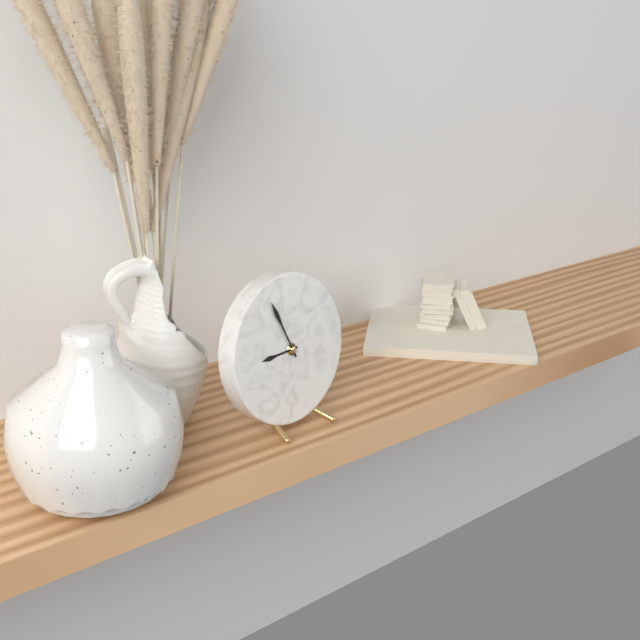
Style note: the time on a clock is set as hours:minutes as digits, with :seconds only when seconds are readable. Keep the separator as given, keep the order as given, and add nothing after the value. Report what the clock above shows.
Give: 8:56
